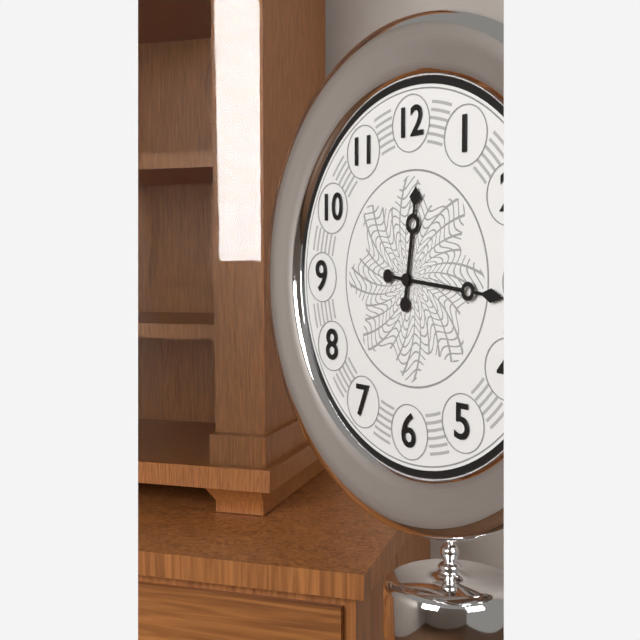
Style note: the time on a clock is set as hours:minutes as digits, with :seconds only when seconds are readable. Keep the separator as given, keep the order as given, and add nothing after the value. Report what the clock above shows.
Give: 12:16
